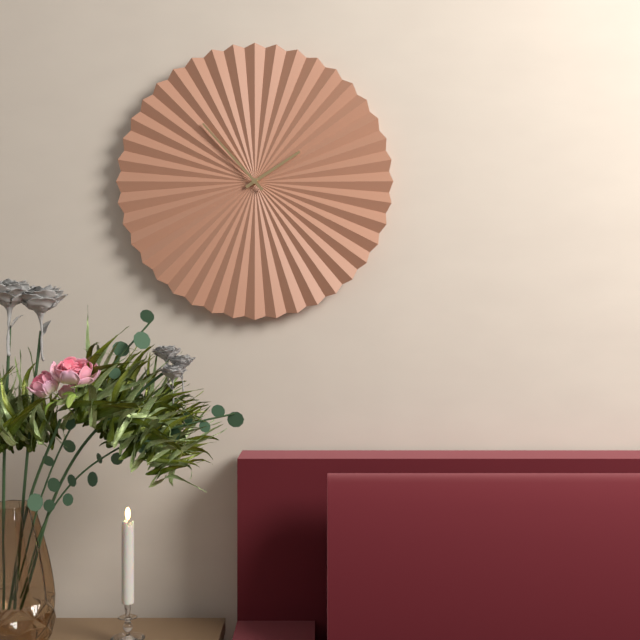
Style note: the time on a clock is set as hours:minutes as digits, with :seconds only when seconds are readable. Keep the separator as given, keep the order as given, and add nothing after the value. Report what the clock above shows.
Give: 1:53
